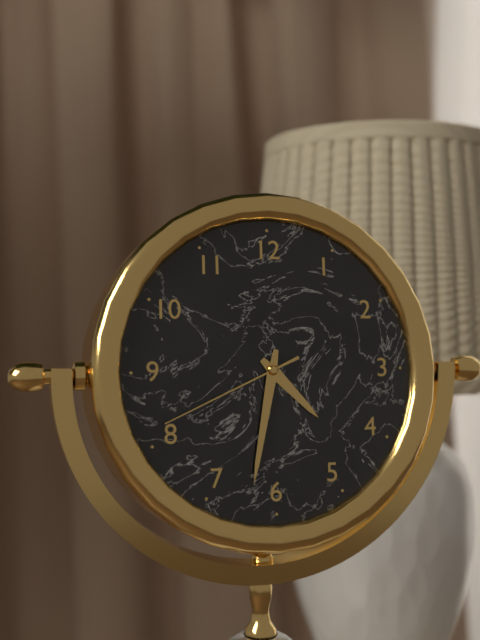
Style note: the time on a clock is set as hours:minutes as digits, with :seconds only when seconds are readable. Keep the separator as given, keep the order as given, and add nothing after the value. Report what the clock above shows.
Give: 4:32:41
